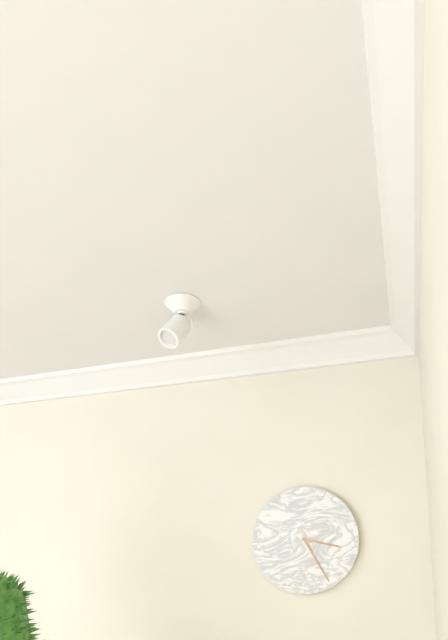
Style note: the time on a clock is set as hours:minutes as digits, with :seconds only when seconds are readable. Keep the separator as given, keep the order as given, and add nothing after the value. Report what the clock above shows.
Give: 3:25
